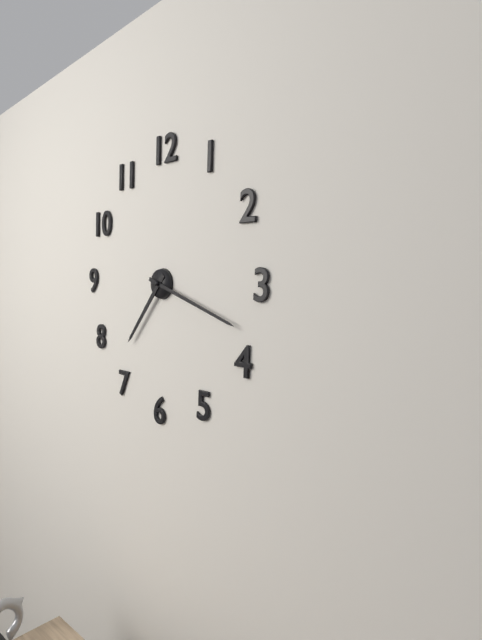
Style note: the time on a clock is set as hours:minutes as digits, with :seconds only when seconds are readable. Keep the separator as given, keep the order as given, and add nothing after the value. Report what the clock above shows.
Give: 7:18
